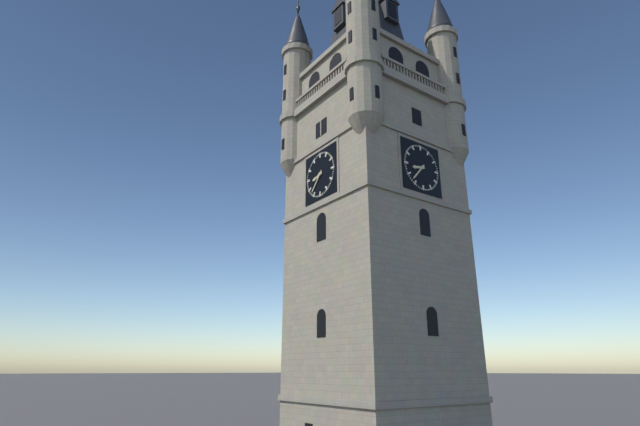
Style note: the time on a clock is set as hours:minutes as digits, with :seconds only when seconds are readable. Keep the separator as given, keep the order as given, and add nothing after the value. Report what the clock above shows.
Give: 8:37
